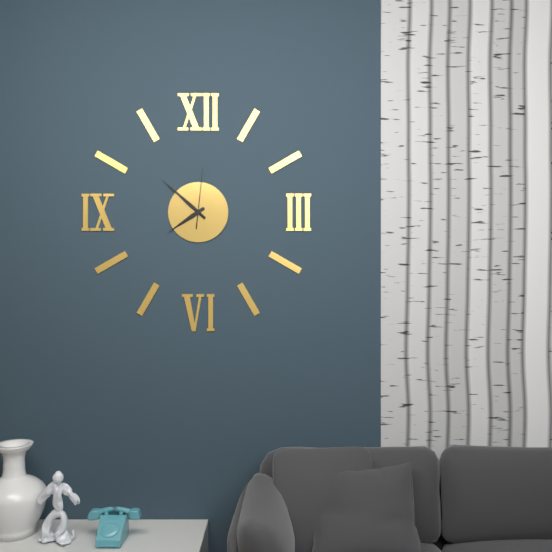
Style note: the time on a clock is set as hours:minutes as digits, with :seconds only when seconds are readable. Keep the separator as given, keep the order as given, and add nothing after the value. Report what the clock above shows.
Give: 7:52:01
